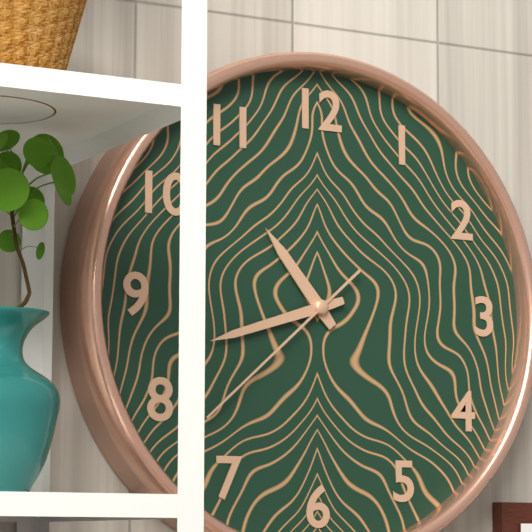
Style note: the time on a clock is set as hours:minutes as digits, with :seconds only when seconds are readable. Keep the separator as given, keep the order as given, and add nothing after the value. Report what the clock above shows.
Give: 10:42:38
